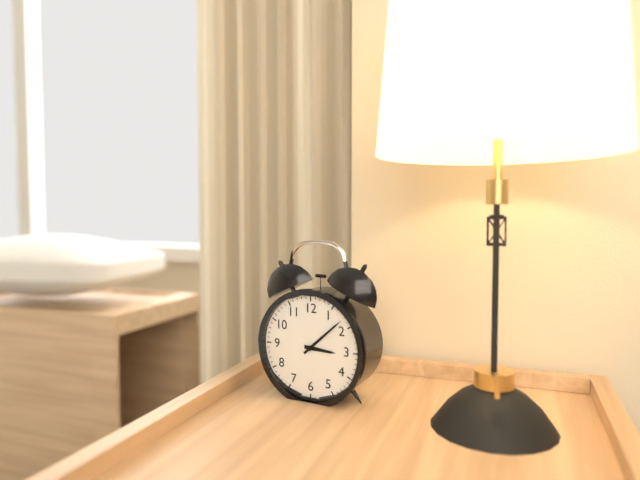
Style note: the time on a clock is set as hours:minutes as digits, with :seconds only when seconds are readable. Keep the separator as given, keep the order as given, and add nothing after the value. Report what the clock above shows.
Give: 3:08
